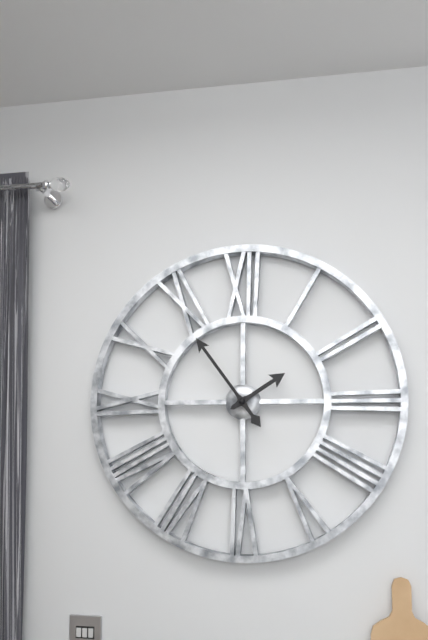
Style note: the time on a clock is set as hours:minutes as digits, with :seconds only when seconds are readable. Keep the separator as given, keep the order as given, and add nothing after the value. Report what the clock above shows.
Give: 1:54
